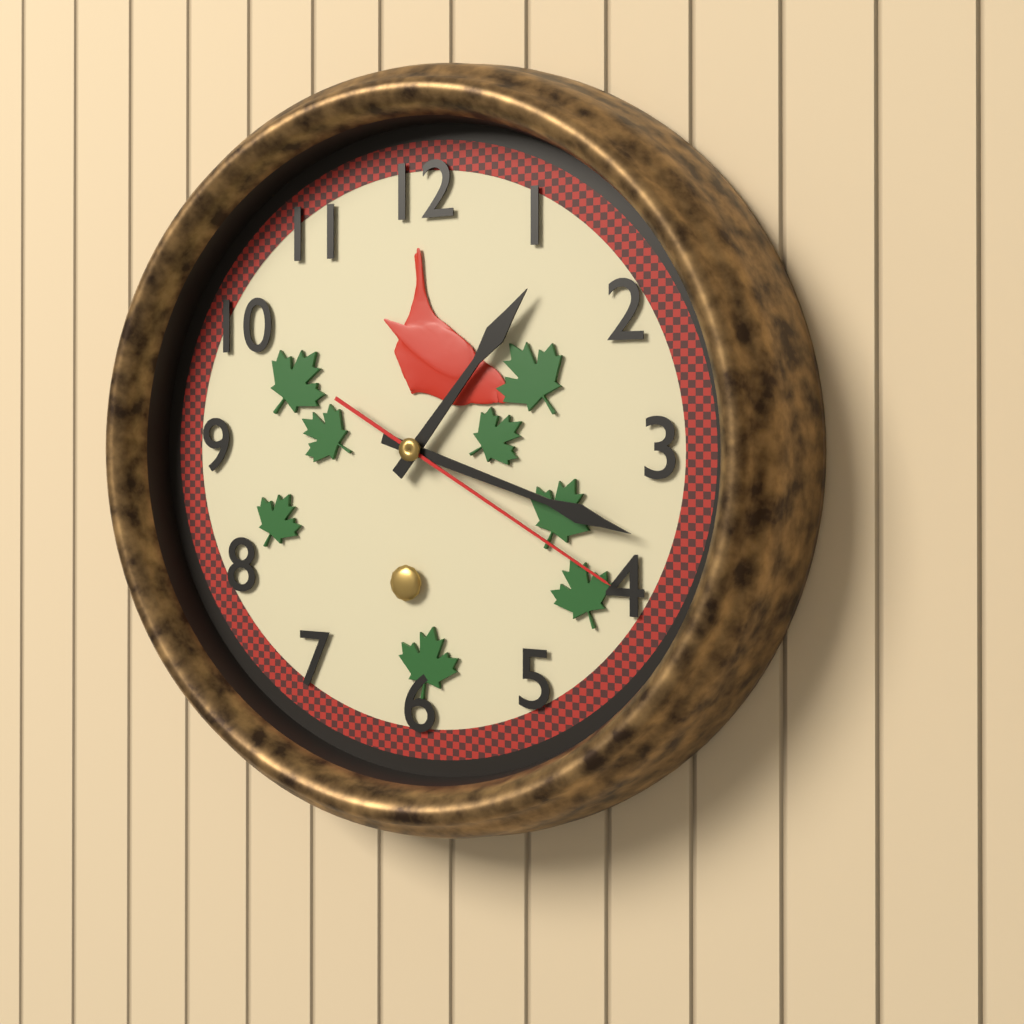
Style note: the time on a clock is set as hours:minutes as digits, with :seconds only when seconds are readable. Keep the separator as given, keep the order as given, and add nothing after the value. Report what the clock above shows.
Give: 1:18:20
